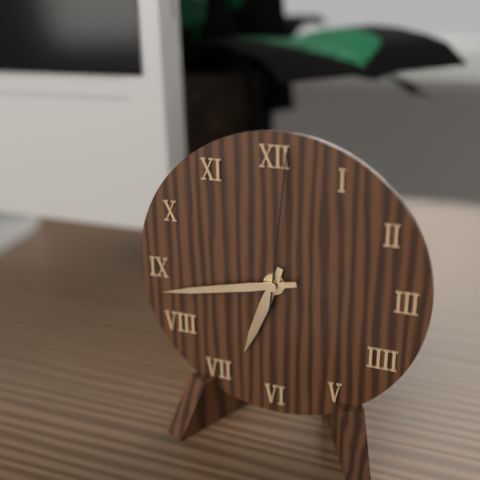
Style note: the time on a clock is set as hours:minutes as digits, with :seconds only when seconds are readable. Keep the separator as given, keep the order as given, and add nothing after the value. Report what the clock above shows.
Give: 6:43:01
